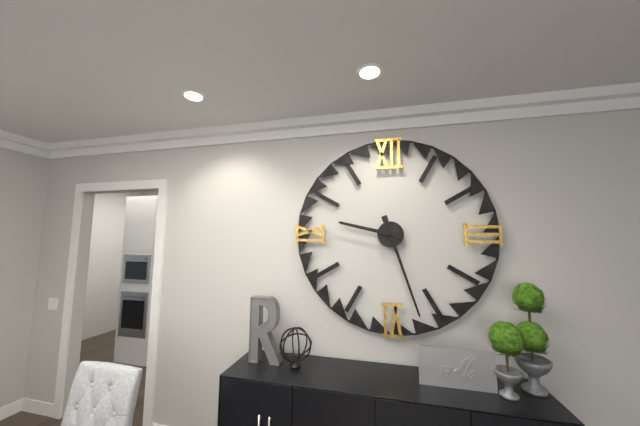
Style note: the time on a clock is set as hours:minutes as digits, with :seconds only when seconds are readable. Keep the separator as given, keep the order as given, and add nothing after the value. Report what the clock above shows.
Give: 9:27
